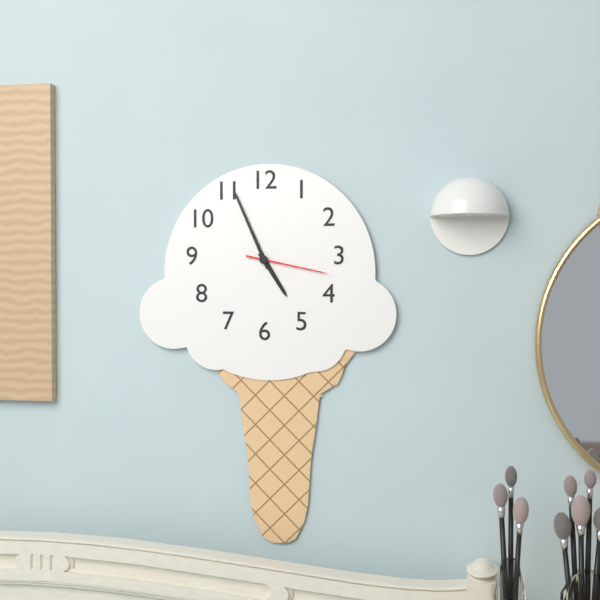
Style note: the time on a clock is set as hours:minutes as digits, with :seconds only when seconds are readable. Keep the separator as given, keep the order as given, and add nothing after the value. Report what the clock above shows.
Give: 4:56:17
